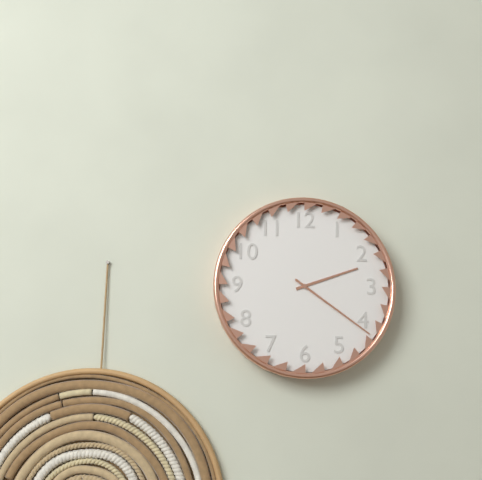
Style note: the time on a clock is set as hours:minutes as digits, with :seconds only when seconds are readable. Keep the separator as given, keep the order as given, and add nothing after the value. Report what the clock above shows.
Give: 2:21
